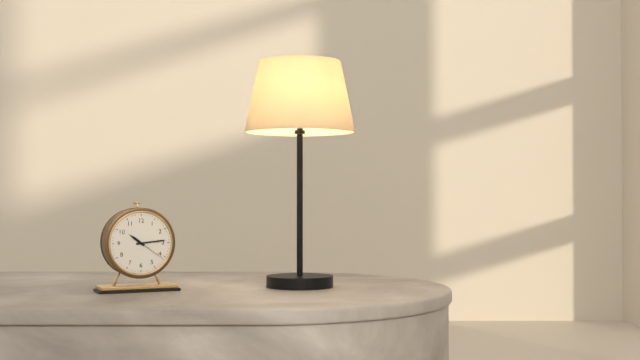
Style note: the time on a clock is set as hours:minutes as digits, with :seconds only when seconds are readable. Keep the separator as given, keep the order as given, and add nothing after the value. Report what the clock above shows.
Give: 10:14
